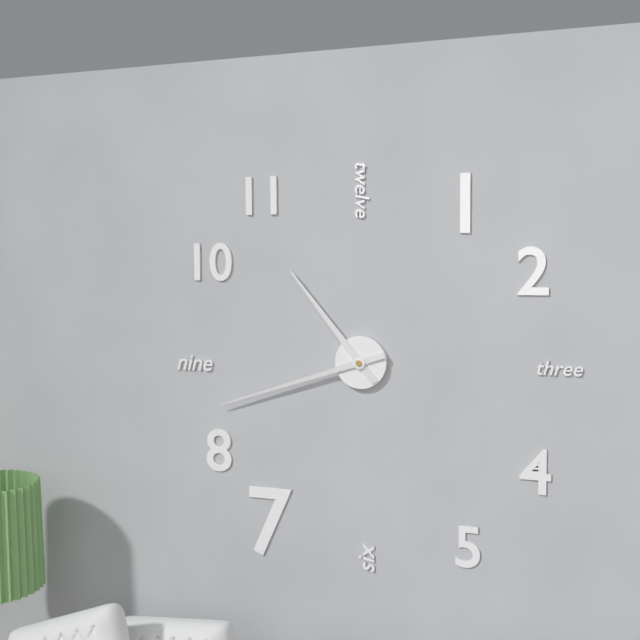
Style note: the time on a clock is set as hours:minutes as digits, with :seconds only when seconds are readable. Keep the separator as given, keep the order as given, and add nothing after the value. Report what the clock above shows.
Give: 10:42
